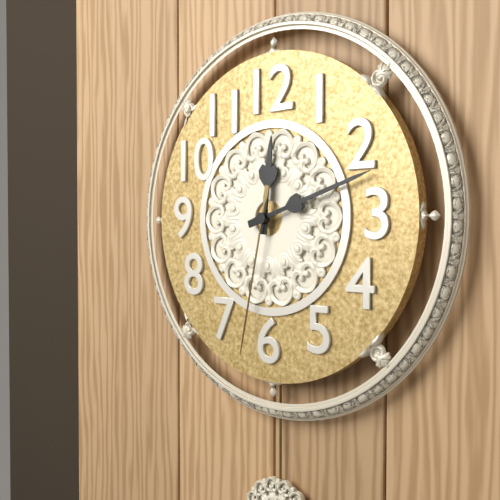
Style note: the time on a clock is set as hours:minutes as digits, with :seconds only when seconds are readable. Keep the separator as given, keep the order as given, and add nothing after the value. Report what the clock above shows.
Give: 12:12:32
